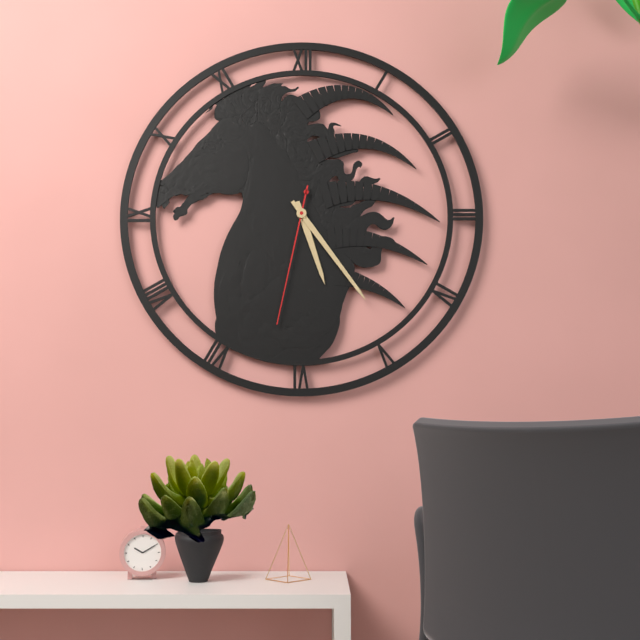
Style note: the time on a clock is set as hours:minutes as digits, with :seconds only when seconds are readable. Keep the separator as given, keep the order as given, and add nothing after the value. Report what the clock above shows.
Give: 5:24:32
